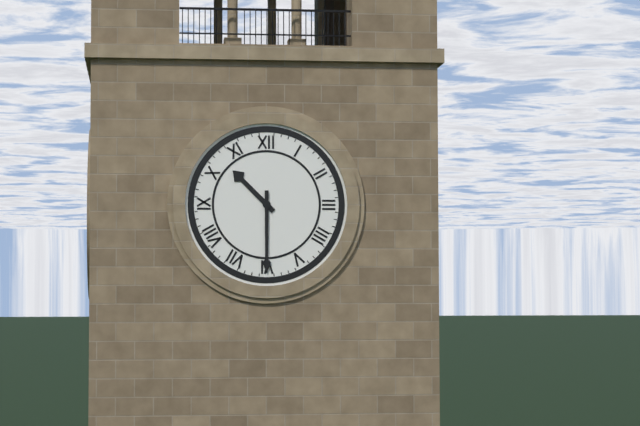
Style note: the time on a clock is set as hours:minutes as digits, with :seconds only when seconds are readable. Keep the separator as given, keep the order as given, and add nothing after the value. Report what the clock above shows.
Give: 10:30
